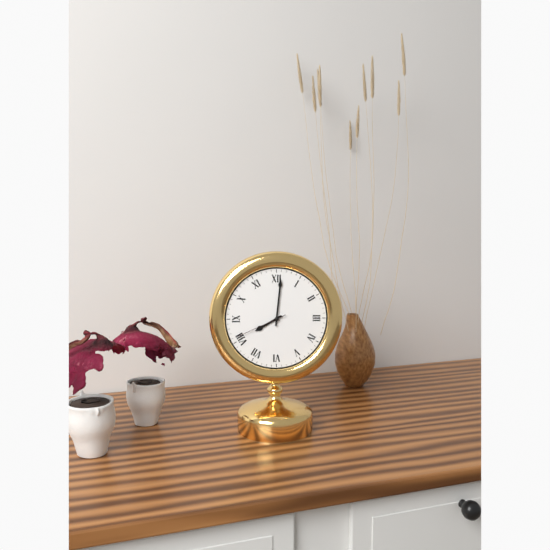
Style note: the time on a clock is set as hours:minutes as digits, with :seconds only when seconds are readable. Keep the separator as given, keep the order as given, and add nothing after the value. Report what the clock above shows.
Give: 8:01:41
